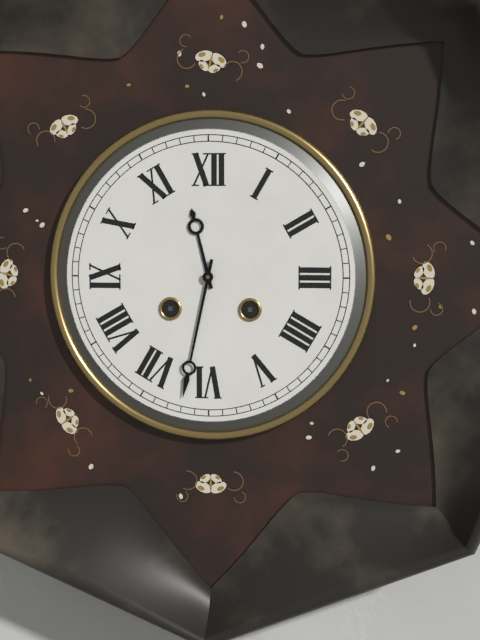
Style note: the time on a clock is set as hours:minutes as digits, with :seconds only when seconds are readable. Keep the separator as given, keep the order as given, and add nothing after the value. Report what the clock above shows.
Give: 11:32
